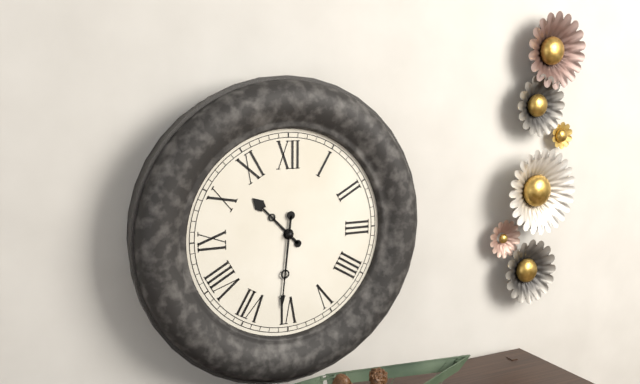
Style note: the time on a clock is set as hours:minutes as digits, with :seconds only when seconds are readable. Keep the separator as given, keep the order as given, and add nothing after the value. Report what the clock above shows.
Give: 10:31
